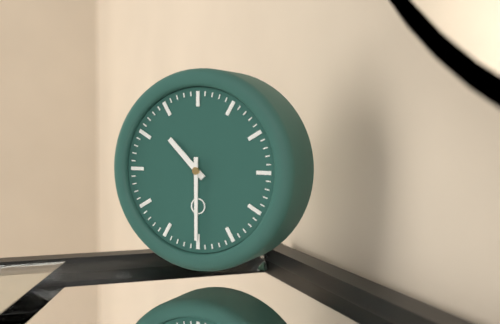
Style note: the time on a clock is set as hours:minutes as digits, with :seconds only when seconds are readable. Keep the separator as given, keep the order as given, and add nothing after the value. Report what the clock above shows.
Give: 10:30
